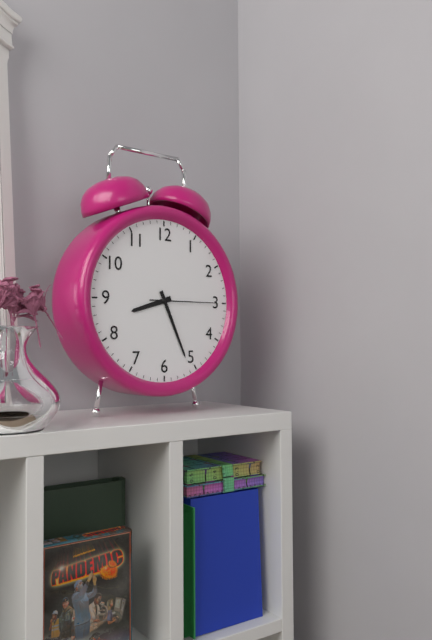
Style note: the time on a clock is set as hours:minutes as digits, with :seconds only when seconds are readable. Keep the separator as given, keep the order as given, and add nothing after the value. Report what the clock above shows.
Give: 8:26:15
